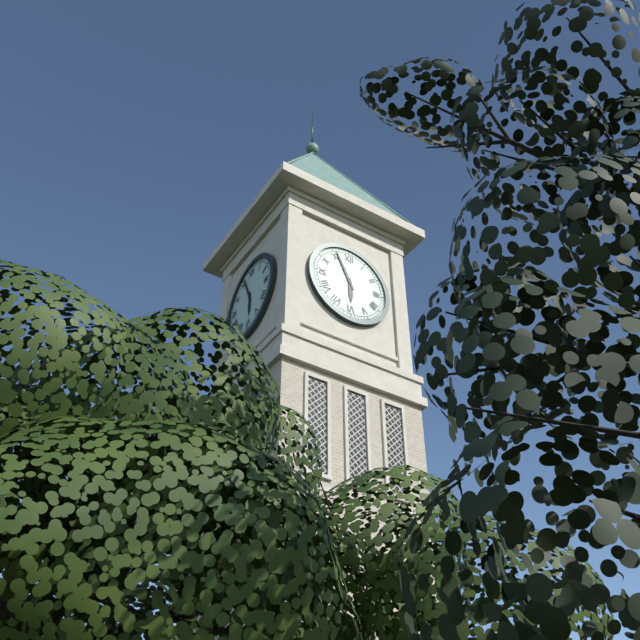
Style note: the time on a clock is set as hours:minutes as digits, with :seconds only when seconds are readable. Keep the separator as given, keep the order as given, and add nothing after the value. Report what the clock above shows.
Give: 5:56
